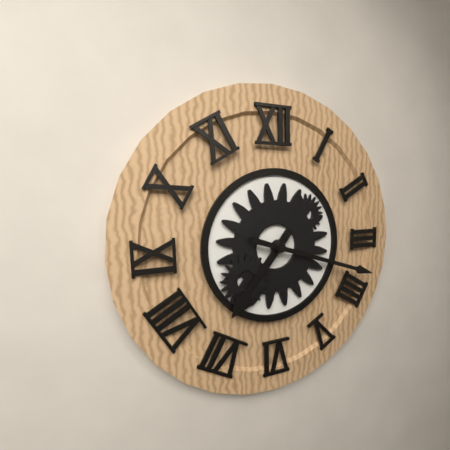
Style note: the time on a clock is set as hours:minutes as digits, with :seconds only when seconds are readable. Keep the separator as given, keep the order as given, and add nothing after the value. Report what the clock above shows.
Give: 7:18
